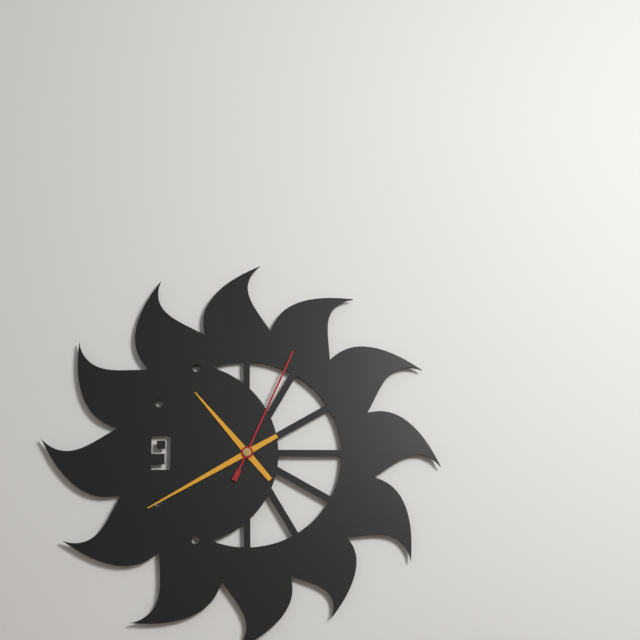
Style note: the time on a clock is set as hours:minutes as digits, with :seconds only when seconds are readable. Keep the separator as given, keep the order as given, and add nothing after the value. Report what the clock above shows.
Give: 10:40:04
